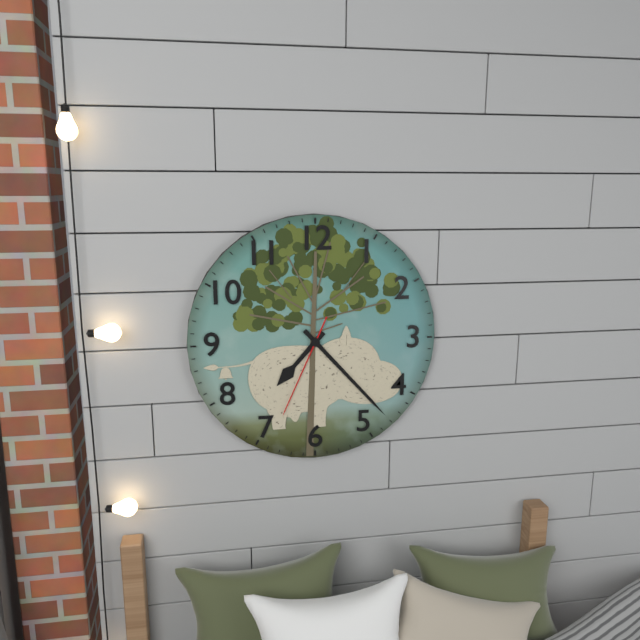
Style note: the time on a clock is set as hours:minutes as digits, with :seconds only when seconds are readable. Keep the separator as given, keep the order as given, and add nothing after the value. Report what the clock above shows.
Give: 7:23:34
